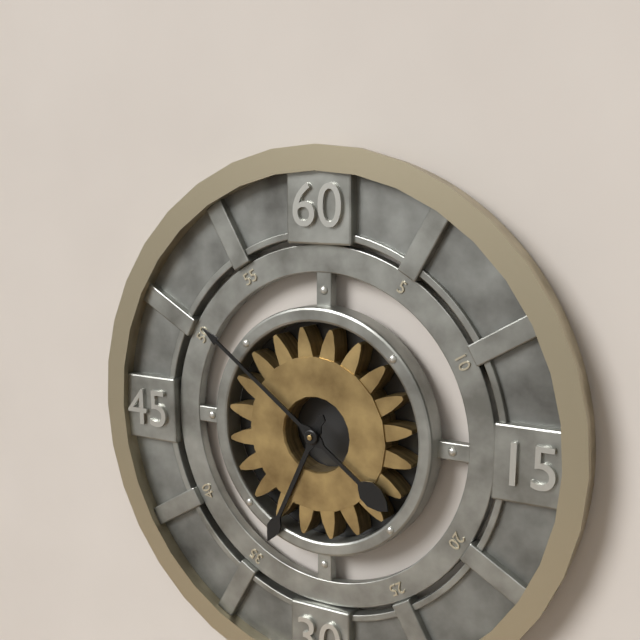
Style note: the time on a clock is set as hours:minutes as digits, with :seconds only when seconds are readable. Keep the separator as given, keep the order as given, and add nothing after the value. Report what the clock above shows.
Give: 6:51
